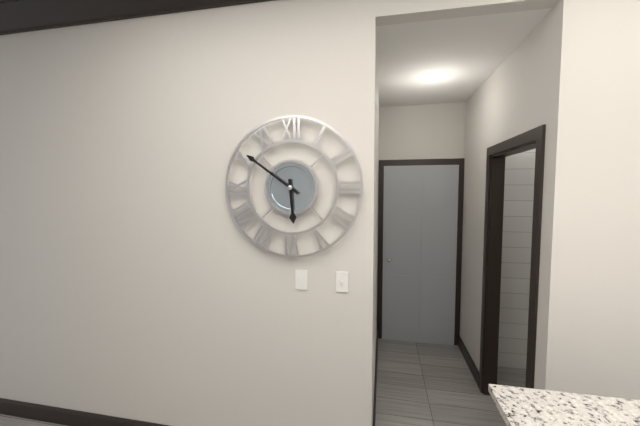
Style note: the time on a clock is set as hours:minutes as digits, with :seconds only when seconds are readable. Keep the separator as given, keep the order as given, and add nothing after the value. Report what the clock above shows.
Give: 5:51
